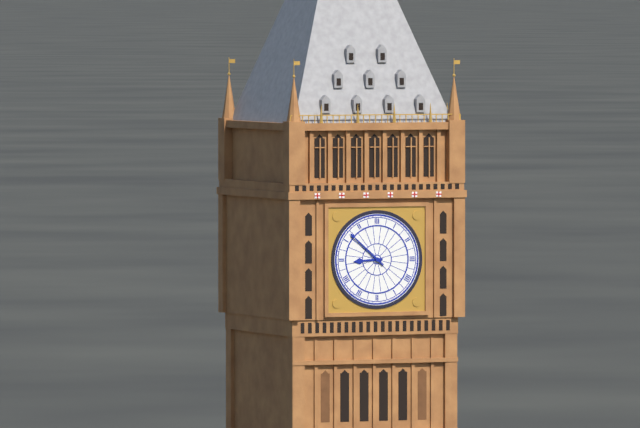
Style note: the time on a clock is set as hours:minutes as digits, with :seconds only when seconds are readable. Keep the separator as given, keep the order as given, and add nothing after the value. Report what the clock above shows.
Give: 8:52
